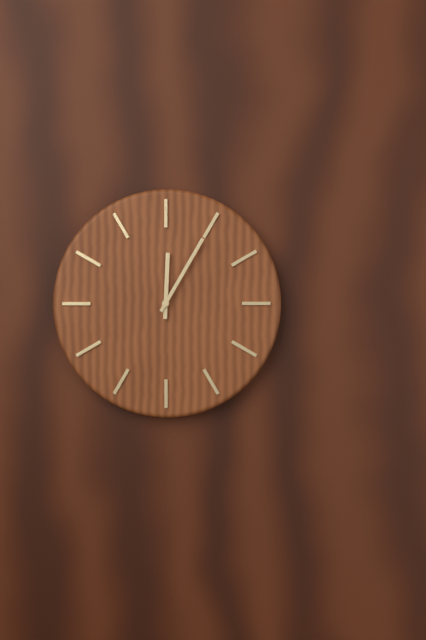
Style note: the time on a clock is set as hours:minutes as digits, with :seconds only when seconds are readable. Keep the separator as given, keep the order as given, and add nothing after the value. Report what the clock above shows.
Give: 12:05
